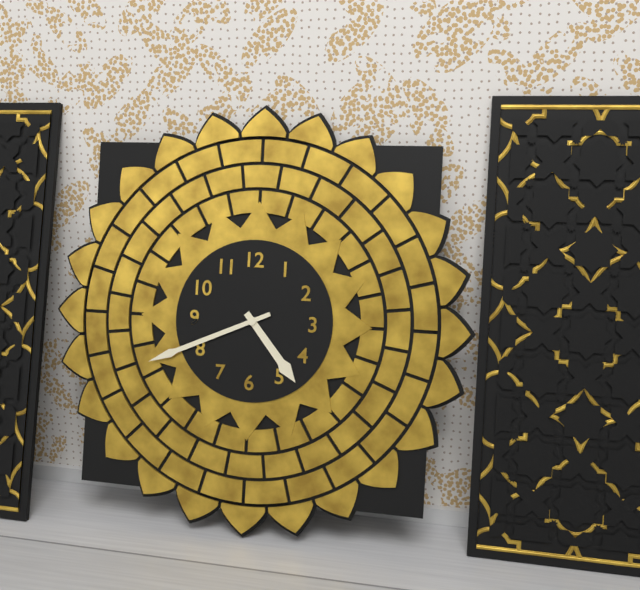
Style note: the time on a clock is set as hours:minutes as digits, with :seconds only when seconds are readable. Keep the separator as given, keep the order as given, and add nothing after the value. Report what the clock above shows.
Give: 4:41
